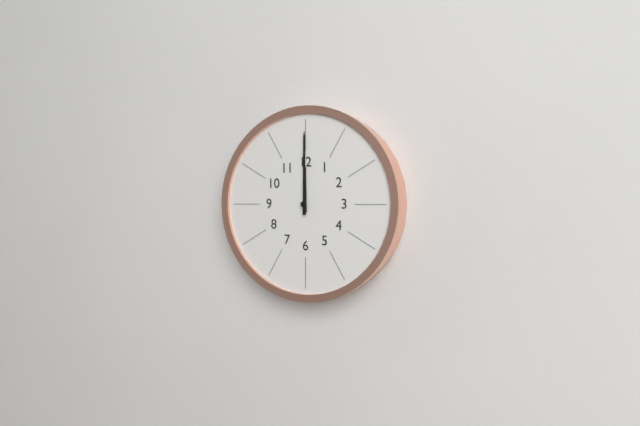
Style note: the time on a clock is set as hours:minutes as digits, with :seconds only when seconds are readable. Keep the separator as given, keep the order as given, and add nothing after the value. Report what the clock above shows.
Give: 12:00
